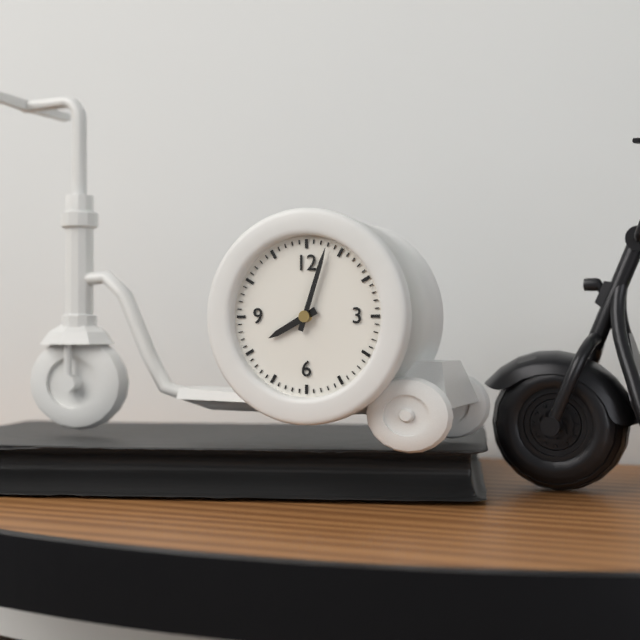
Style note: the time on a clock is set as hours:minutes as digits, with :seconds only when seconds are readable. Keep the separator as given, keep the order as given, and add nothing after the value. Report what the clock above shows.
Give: 8:03
